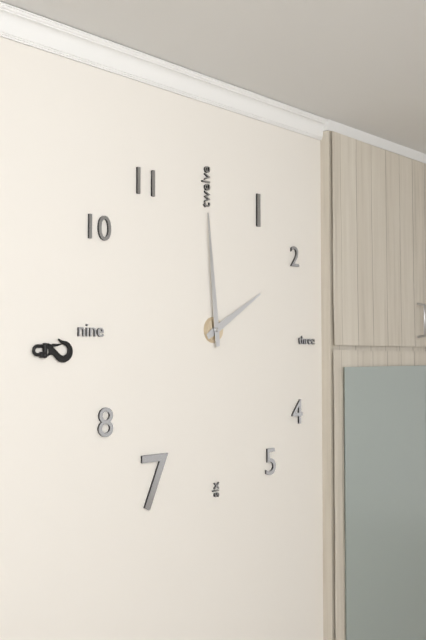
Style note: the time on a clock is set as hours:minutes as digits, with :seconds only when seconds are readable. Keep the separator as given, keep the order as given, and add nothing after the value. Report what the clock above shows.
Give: 1:59
